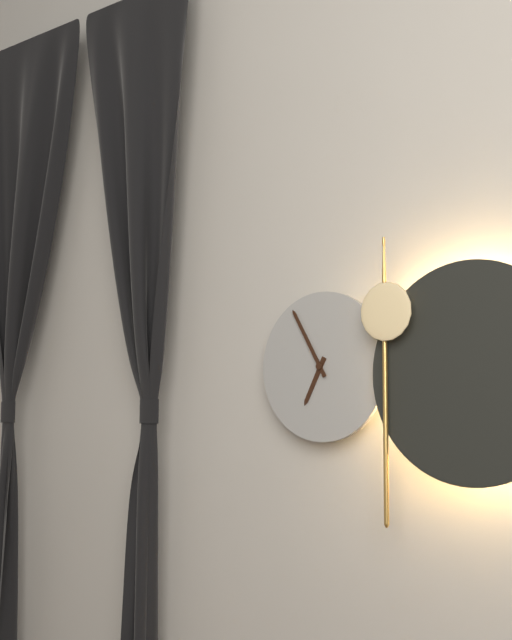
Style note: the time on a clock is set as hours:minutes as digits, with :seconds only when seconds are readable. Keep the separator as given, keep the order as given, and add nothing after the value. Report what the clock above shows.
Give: 6:55
